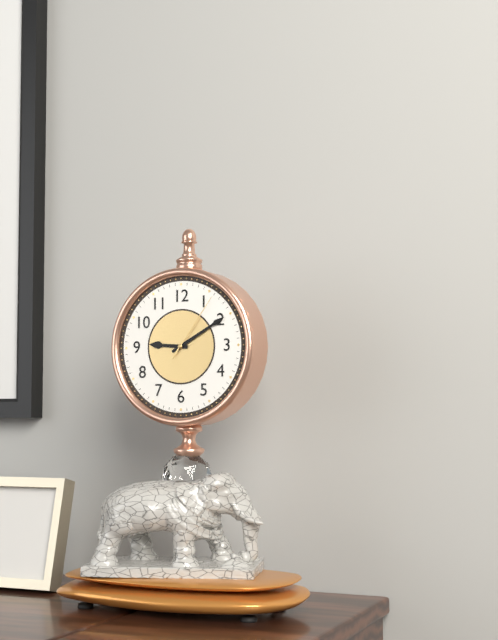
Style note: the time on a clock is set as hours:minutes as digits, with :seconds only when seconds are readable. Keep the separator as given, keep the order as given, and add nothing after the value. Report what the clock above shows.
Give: 9:10:06
